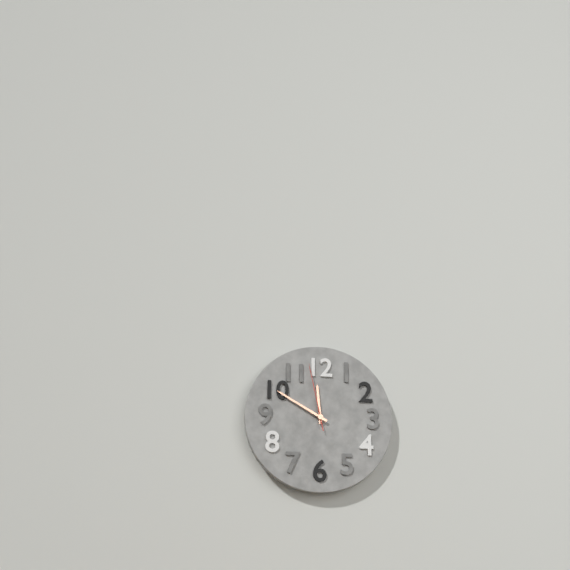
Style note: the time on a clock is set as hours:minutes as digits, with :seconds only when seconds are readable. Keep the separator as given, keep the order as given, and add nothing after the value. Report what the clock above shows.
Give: 11:50:58
